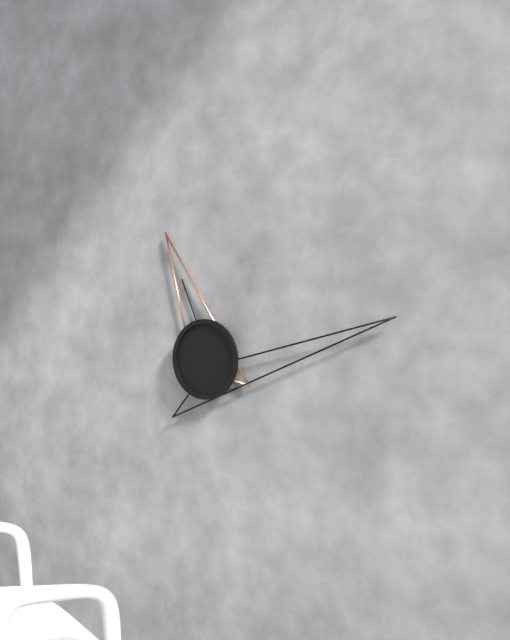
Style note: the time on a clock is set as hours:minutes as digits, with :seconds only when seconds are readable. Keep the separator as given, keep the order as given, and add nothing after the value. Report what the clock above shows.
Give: 11:13:56
